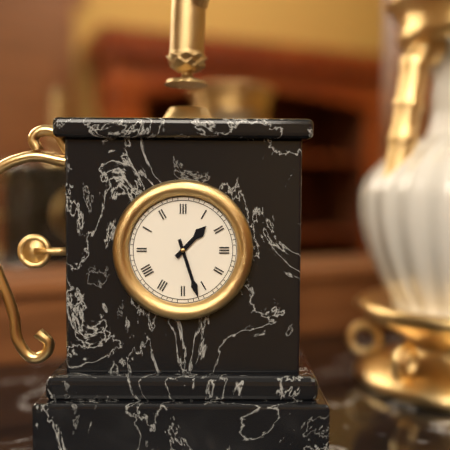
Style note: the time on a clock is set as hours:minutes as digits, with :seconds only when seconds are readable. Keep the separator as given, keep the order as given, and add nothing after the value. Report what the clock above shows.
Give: 1:27
